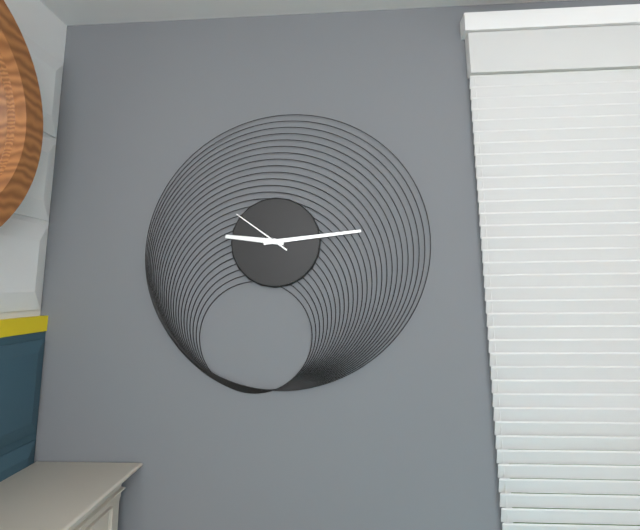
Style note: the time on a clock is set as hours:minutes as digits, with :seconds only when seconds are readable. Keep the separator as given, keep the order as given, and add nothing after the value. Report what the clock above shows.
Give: 9:14:51
